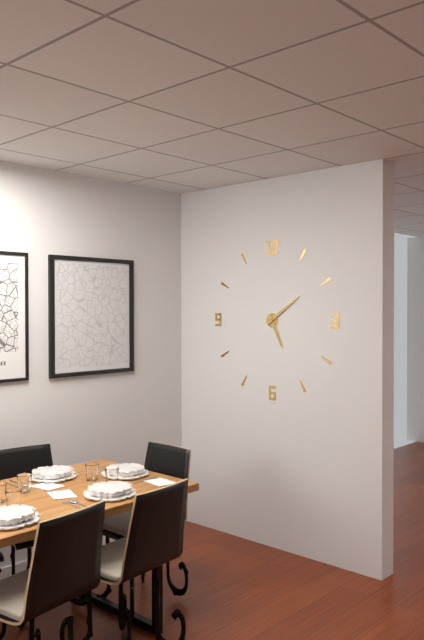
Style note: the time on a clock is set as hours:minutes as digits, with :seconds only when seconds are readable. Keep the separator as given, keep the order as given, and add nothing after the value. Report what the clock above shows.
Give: 5:09
